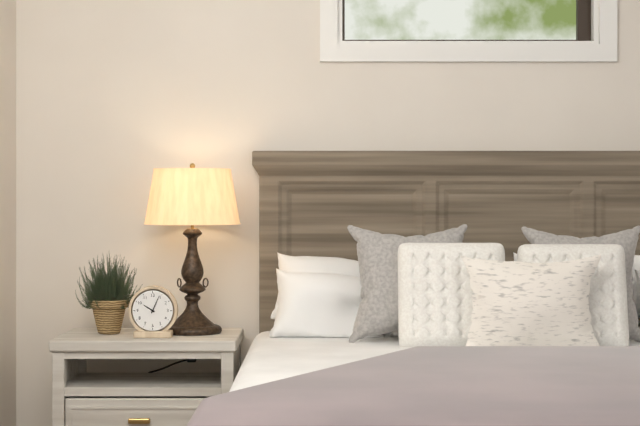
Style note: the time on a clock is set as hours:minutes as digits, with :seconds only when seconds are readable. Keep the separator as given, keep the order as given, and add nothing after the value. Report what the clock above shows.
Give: 10:04
